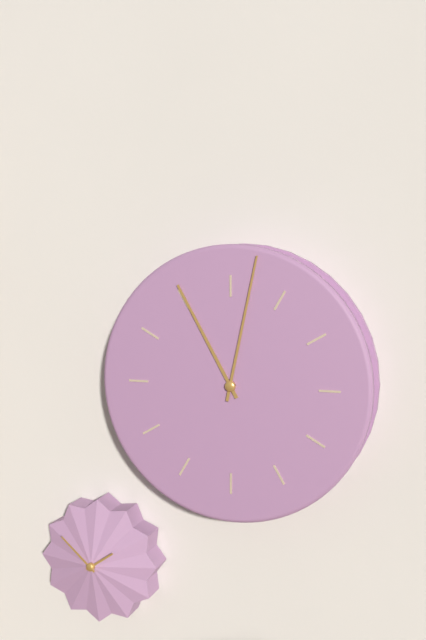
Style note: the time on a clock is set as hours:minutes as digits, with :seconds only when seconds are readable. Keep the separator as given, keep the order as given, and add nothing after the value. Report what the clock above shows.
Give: 11:02
